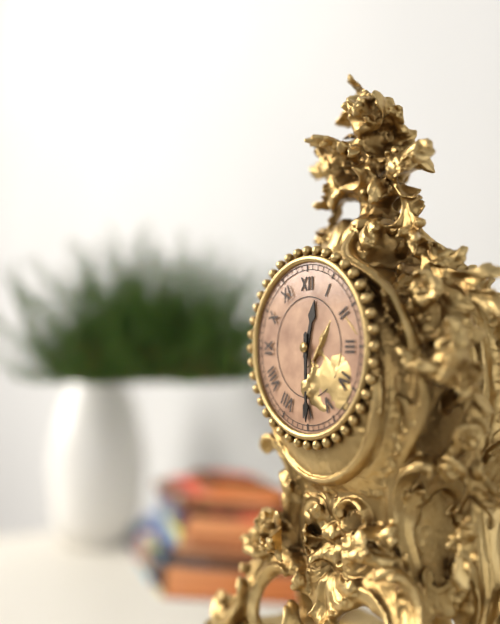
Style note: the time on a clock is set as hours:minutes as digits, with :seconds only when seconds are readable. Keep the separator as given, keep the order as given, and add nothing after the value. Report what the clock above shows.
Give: 12:30
